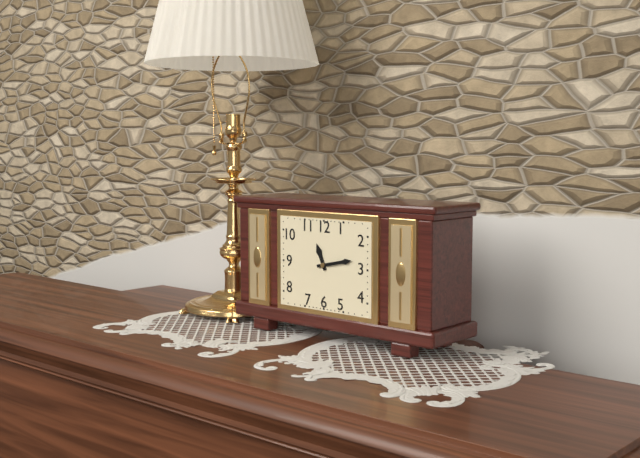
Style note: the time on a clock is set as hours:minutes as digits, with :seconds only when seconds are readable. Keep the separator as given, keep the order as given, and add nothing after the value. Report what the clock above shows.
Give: 11:13
